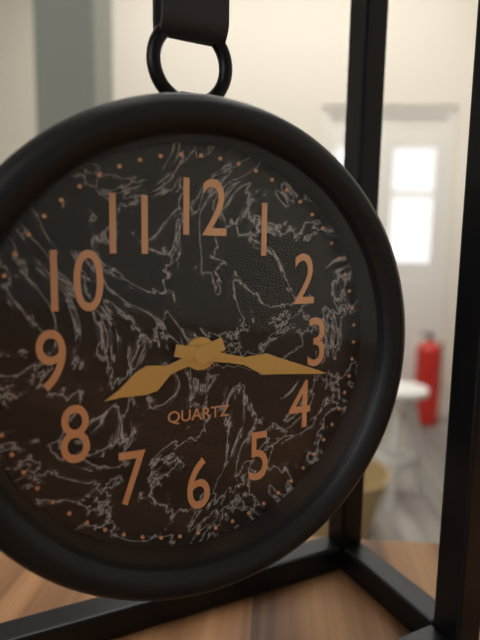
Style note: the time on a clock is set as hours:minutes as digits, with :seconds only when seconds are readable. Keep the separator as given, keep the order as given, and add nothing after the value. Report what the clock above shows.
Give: 8:17
